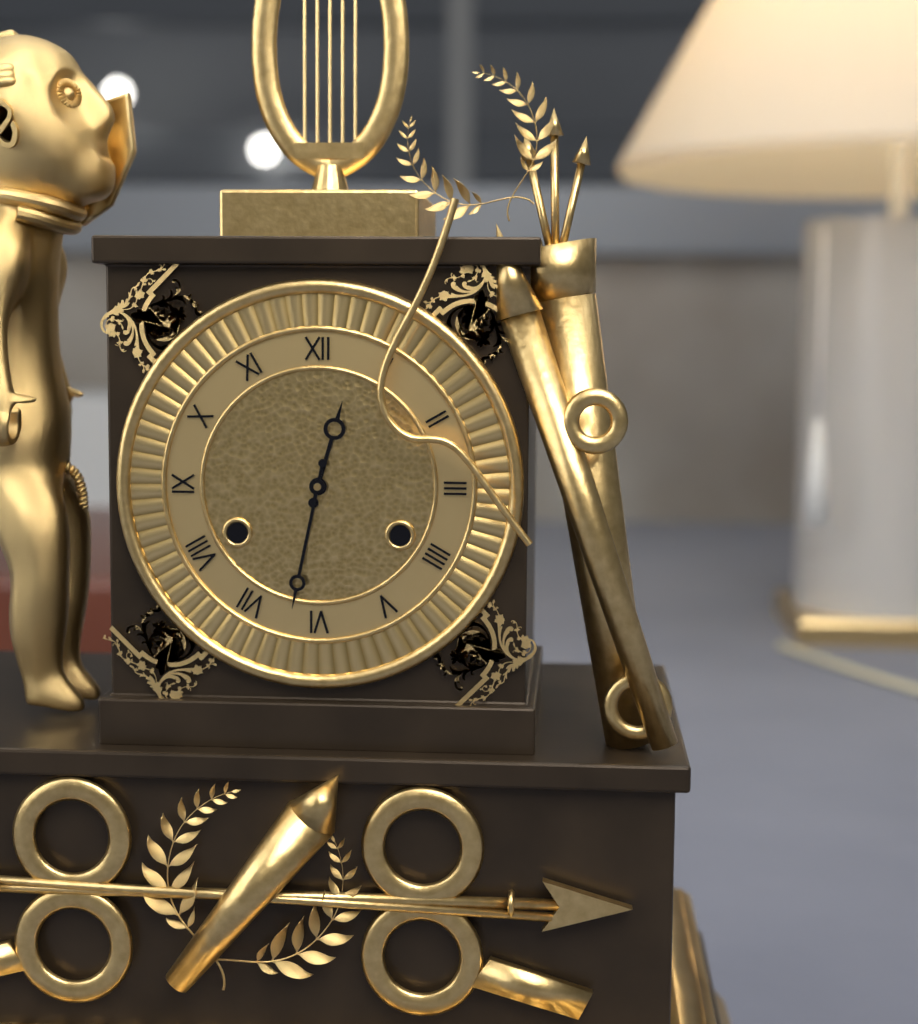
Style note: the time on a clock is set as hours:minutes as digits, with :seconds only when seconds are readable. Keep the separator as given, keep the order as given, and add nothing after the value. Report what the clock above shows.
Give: 12:32
